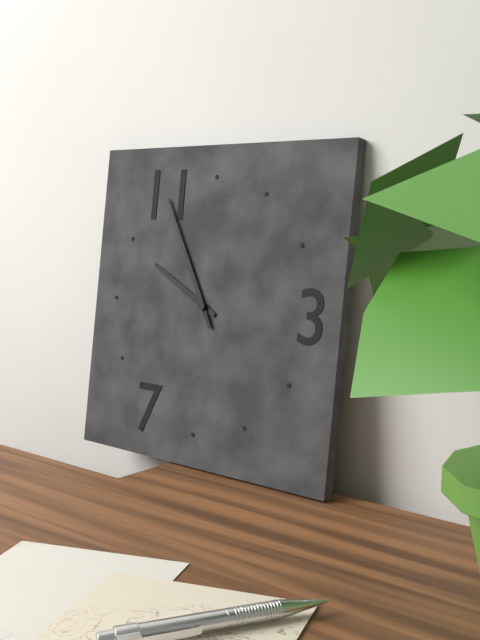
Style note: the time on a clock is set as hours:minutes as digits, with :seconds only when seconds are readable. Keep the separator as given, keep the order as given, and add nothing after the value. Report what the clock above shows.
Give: 9:55
